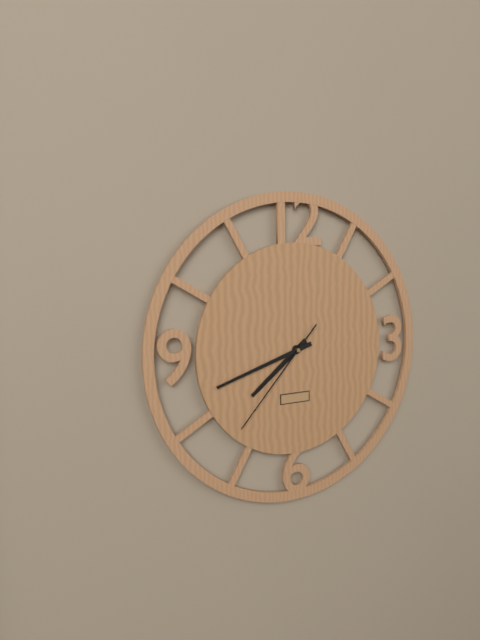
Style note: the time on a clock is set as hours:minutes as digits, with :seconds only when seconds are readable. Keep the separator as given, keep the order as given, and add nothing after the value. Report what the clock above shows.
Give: 7:42:37
